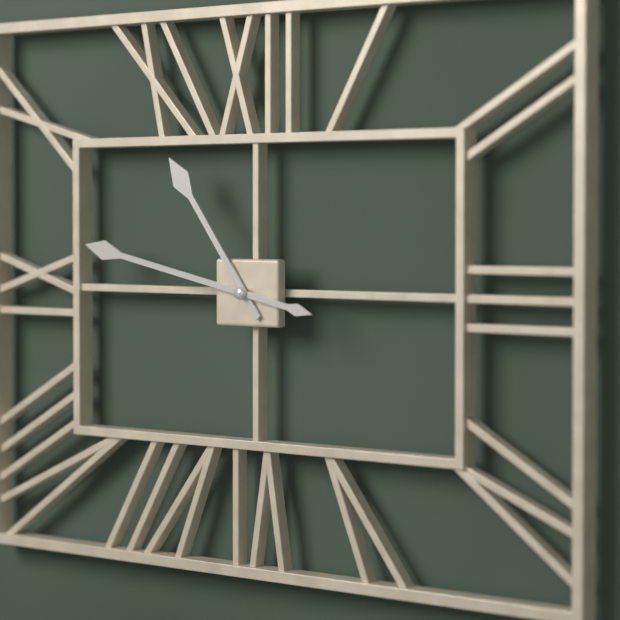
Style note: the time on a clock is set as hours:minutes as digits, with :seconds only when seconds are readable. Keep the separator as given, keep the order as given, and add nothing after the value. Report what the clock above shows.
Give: 10:47
